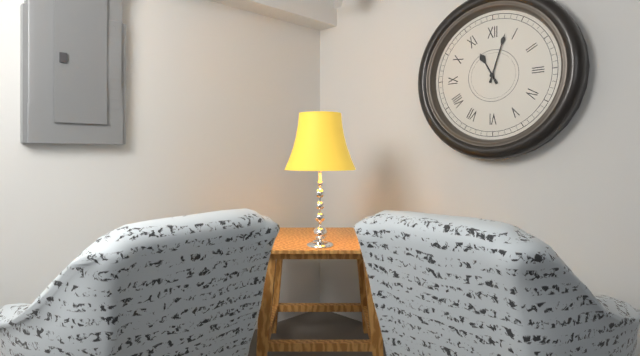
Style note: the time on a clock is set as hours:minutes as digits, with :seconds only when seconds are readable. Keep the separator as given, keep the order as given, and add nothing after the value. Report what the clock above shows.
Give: 11:03
